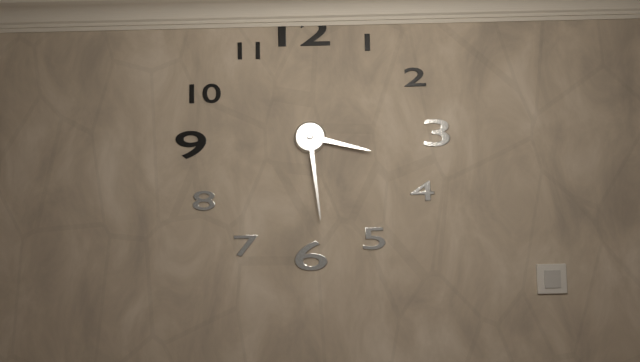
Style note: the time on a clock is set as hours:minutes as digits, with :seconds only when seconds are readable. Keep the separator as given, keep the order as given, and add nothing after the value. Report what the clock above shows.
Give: 3:29
